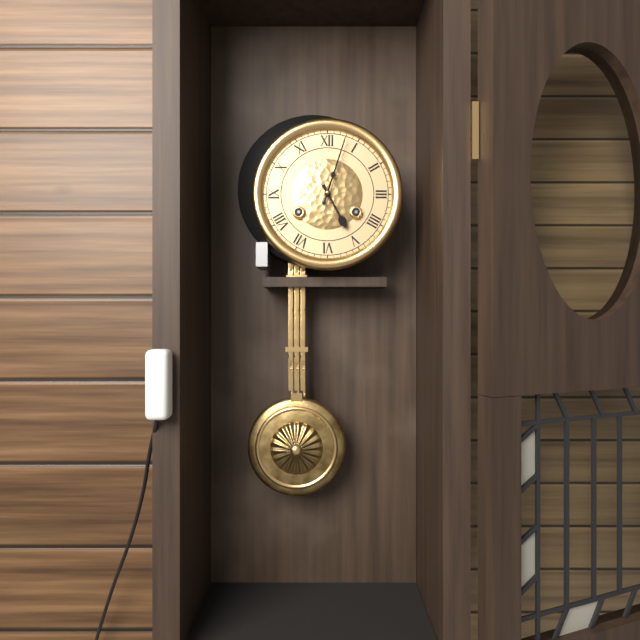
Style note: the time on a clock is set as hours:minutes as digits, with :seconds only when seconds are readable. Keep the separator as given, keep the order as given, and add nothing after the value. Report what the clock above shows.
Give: 5:03
